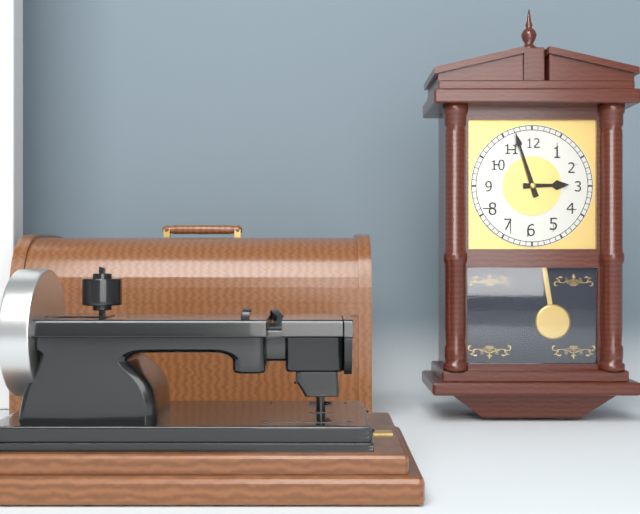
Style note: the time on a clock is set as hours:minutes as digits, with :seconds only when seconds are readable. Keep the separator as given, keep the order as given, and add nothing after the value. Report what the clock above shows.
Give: 2:57
